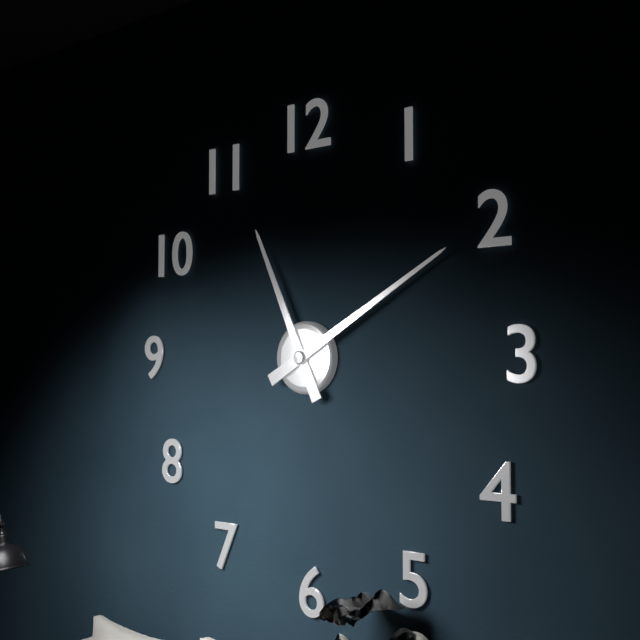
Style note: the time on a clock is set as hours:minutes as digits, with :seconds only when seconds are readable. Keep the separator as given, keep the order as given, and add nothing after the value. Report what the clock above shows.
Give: 11:10
